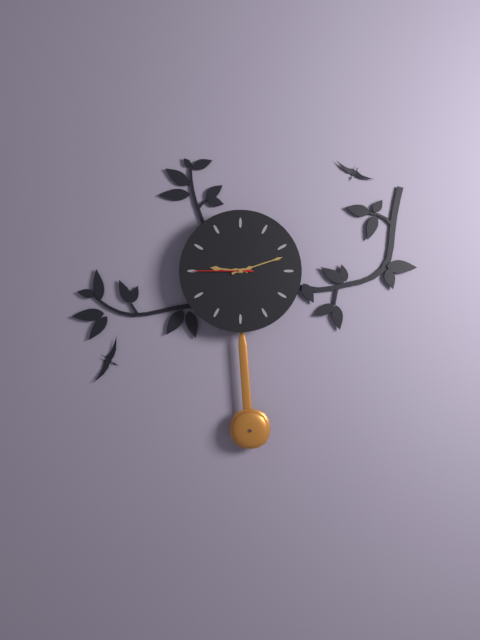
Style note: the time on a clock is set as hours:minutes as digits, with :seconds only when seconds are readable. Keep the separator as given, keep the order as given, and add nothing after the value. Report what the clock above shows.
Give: 9:12:45
